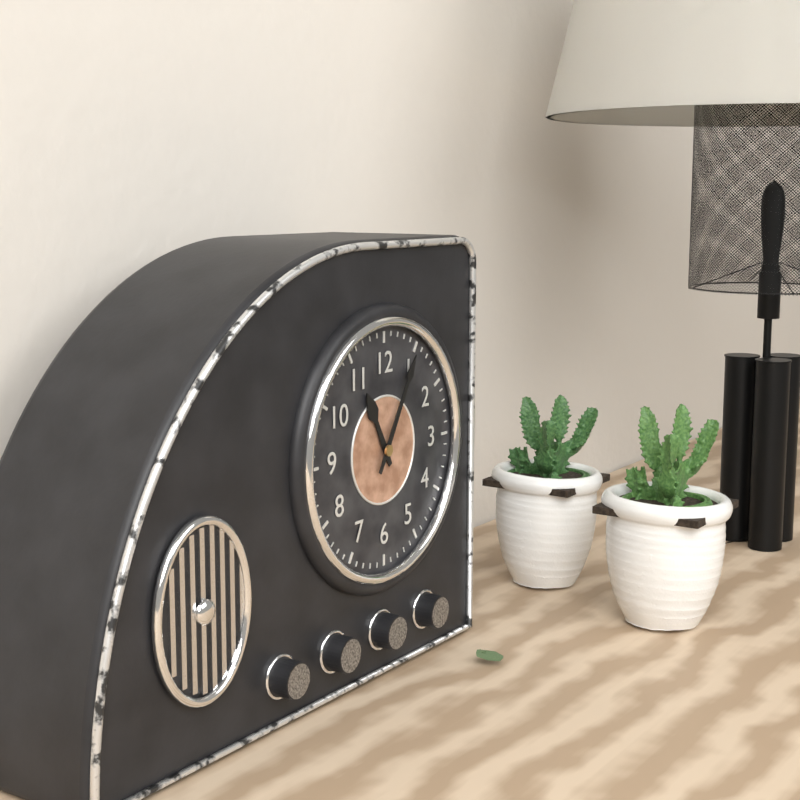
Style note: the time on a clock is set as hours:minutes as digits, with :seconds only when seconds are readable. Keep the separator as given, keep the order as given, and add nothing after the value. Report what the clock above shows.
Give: 11:05
